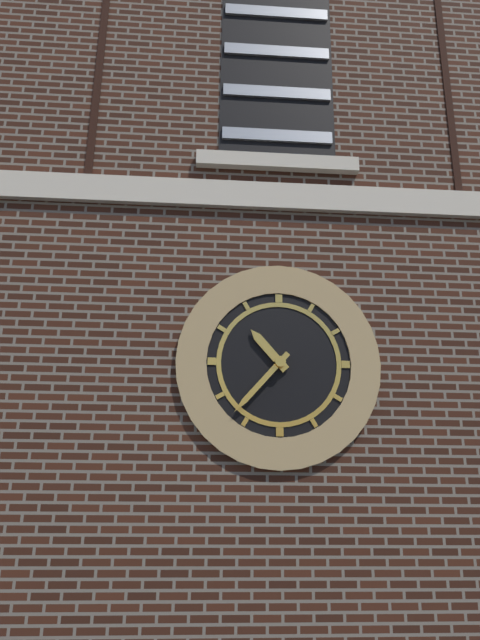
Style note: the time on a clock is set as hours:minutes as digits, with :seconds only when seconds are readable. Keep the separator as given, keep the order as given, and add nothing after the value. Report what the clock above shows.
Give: 10:37
